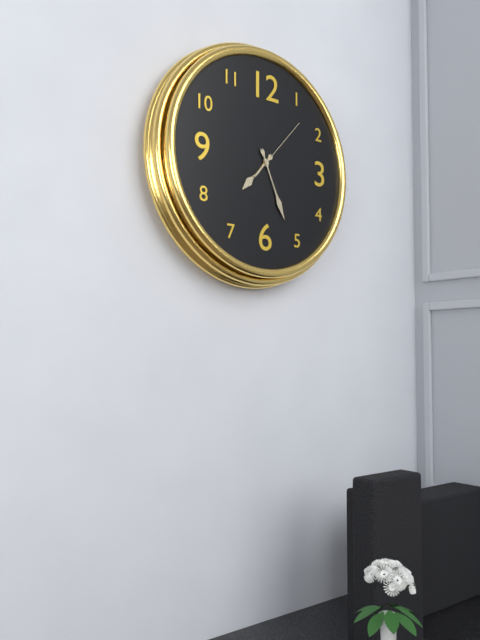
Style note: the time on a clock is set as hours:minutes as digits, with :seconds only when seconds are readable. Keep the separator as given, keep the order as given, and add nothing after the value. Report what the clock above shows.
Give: 7:26:07
